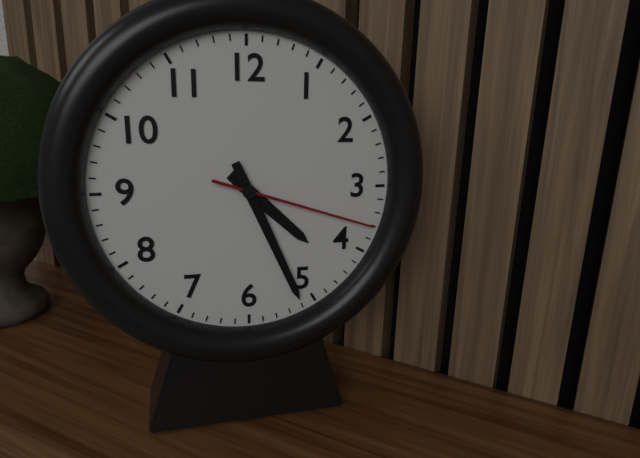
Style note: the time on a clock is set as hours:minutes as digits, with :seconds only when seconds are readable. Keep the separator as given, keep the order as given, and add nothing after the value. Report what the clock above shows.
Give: 4:26:18
